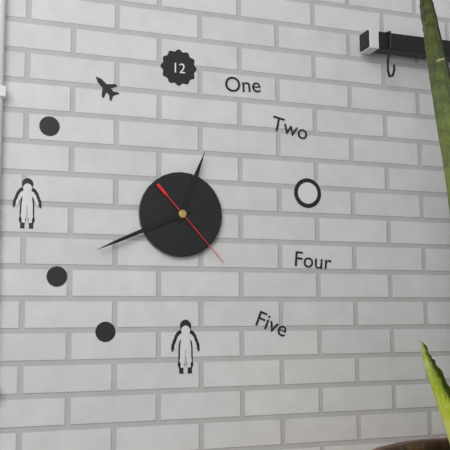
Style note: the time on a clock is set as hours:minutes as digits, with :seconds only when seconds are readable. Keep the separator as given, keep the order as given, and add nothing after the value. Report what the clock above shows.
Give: 12:41:23
